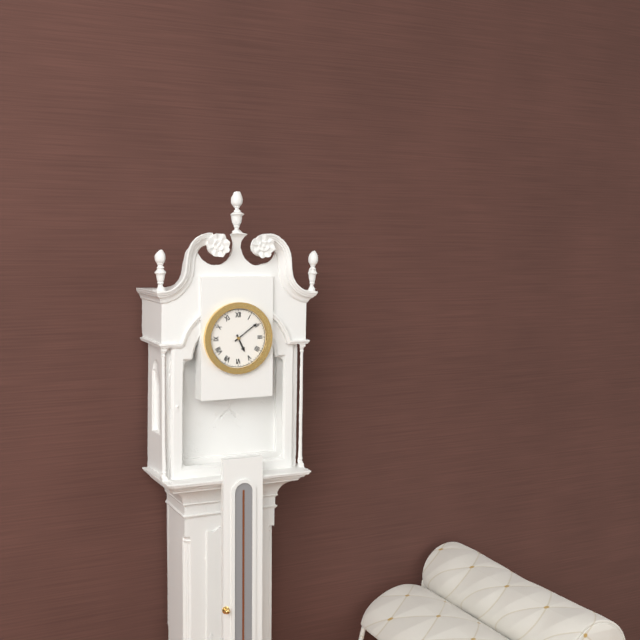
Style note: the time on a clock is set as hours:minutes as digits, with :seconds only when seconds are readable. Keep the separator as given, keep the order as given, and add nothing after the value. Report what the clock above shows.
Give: 5:09
